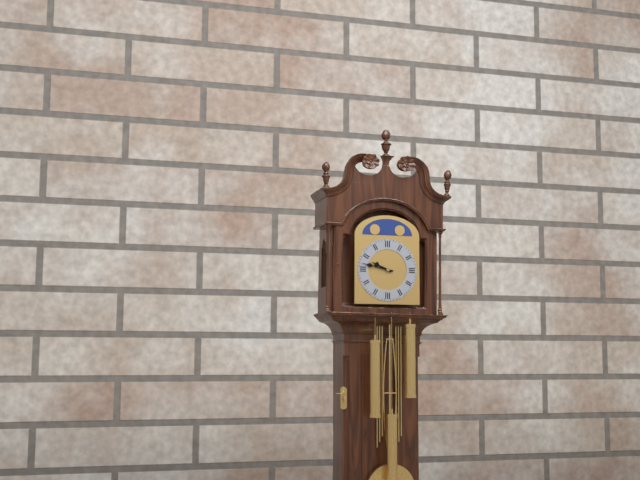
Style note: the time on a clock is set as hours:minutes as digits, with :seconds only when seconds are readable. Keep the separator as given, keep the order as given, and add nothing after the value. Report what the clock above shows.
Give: 9:47
